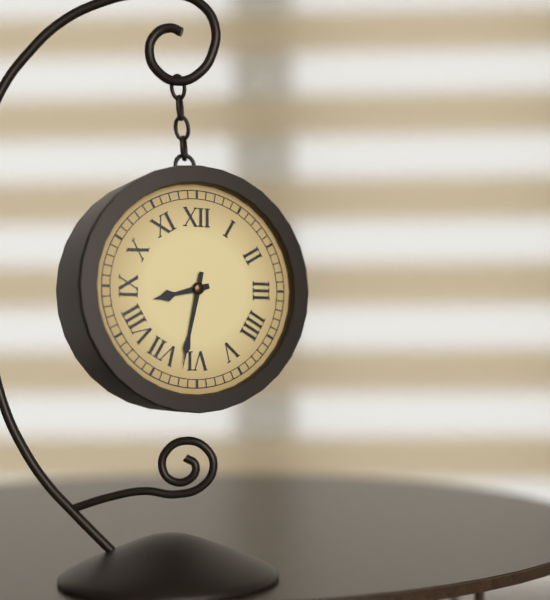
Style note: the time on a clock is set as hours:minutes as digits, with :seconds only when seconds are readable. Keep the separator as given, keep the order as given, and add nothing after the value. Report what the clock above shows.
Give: 8:32
